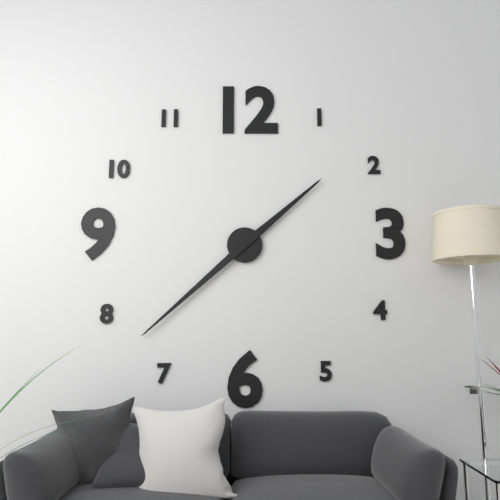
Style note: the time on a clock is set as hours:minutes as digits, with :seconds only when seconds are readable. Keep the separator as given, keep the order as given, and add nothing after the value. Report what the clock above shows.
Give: 1:38
